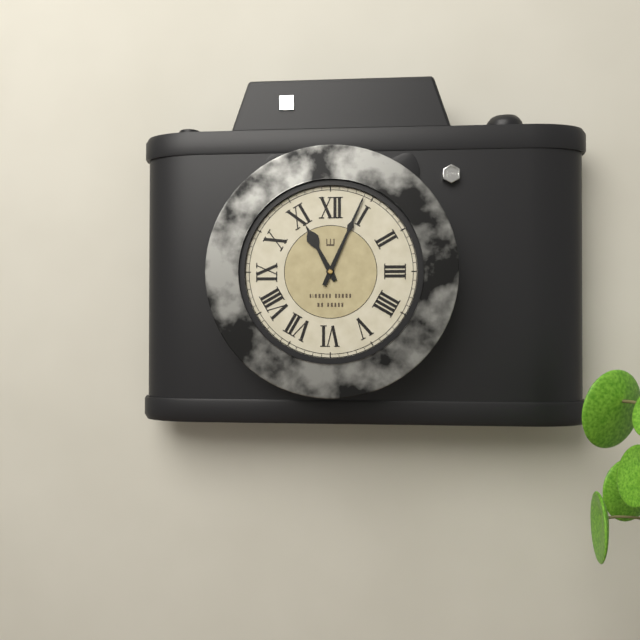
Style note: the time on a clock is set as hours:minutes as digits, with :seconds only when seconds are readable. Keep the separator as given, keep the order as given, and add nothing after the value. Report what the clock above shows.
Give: 11:04
